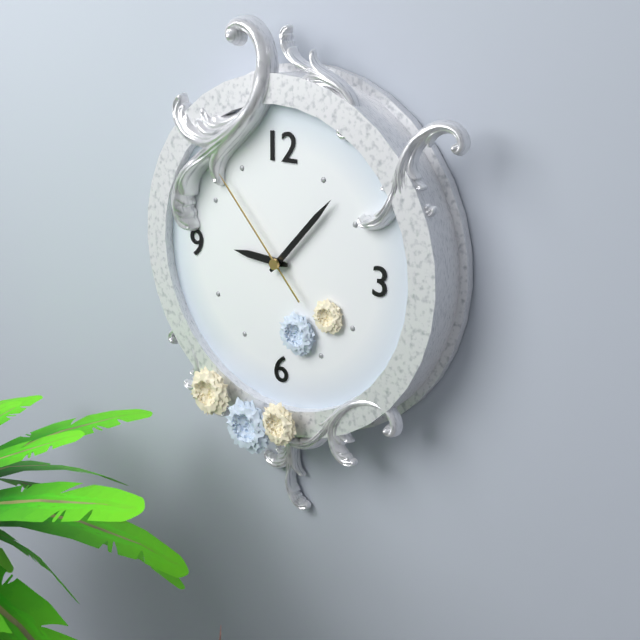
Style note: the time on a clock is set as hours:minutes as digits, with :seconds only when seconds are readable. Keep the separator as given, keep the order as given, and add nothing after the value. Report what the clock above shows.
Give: 9:07:53
